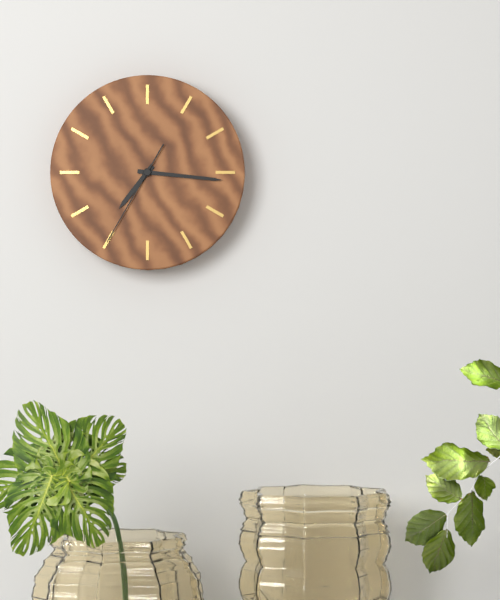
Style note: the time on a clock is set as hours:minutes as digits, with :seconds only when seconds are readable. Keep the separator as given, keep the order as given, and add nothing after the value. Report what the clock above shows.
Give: 7:16:35
